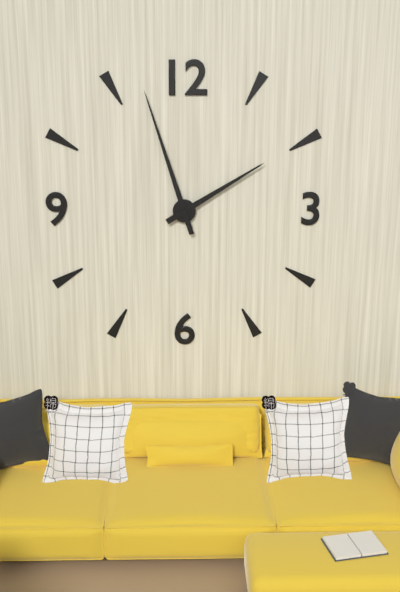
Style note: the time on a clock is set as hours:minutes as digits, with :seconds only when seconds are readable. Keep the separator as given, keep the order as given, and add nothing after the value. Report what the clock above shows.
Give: 1:57
